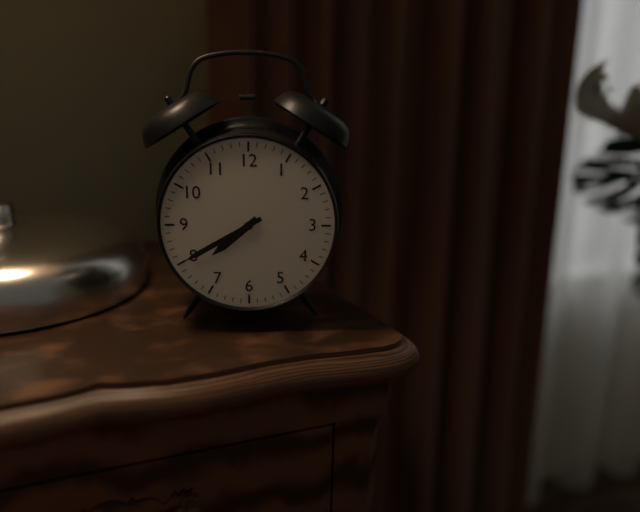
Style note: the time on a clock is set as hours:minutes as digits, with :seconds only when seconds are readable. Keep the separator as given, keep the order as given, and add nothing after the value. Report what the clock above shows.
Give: 7:40
